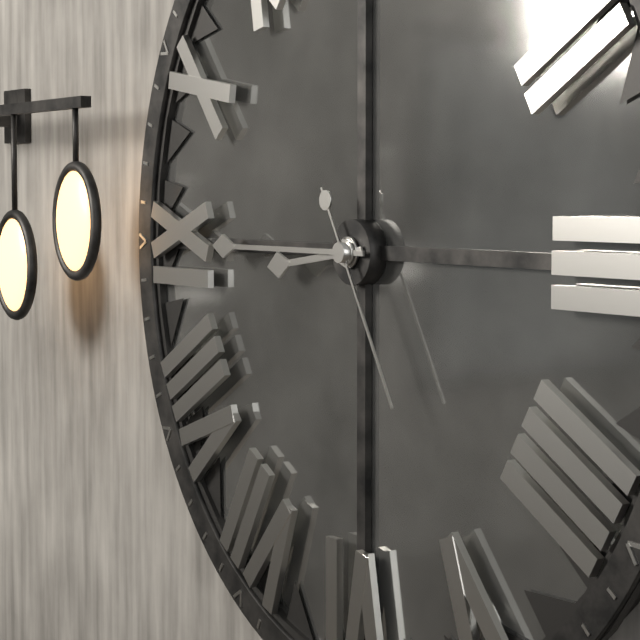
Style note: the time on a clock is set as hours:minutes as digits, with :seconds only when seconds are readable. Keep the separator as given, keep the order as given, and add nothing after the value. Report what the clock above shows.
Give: 8:45:25
